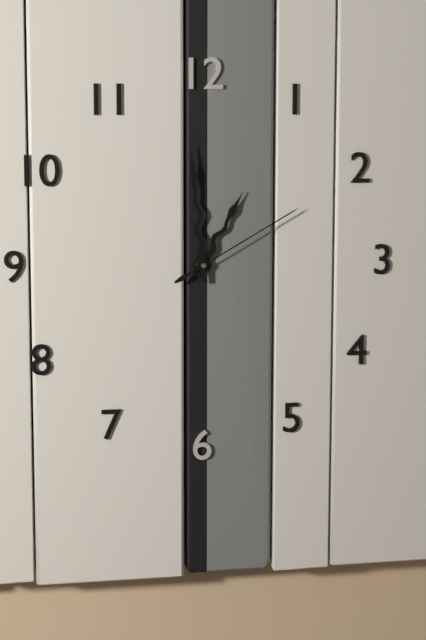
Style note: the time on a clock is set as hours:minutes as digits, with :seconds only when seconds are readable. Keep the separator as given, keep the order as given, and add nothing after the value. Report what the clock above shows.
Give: 12:59:10
